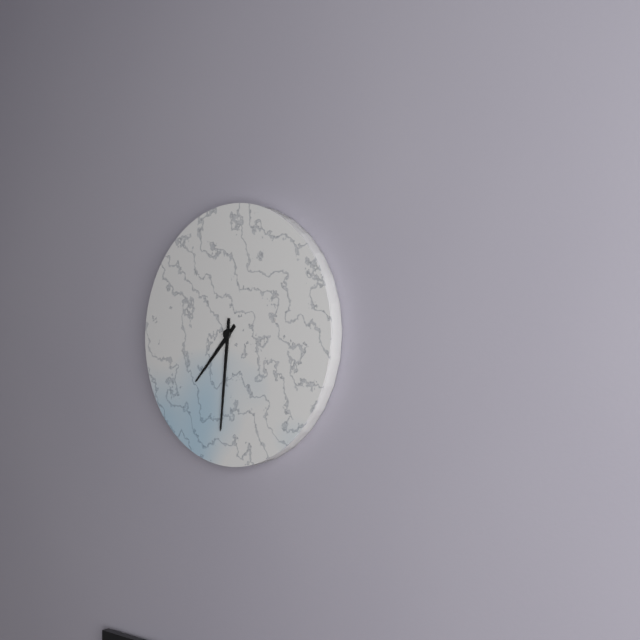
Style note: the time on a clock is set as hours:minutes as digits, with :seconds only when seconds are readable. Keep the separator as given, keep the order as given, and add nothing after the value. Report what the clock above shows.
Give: 7:31
